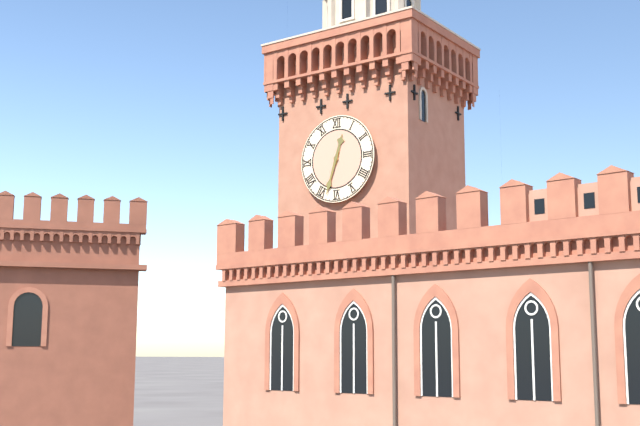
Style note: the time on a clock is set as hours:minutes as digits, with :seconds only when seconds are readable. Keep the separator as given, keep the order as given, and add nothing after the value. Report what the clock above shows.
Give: 12:33
